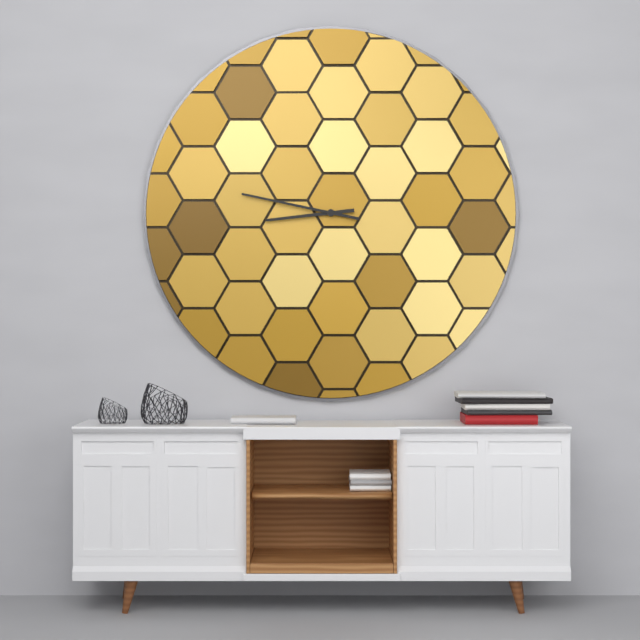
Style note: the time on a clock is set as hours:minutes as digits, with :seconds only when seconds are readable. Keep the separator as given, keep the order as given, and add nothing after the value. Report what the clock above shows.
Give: 8:47
